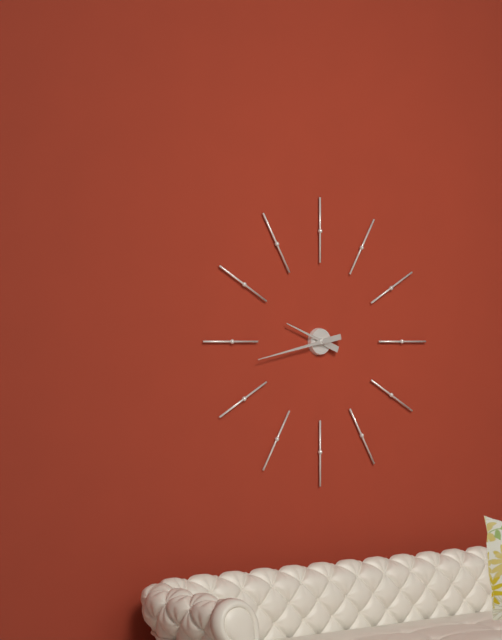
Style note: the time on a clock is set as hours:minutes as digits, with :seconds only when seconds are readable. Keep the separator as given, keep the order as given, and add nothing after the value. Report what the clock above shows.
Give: 9:43
